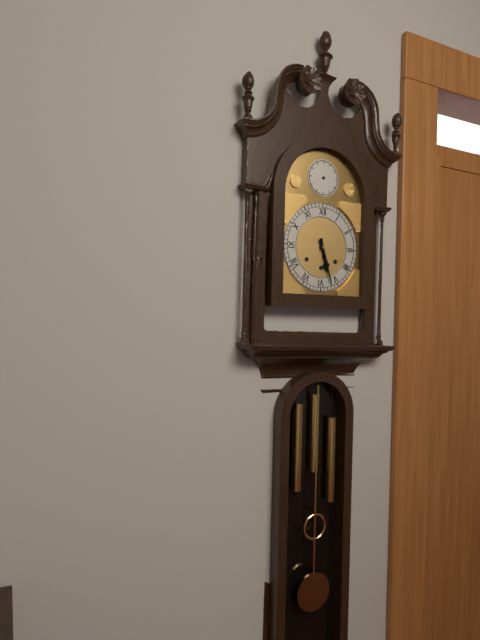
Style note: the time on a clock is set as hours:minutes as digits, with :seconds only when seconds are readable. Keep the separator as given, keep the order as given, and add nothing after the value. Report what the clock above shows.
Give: 5:27
